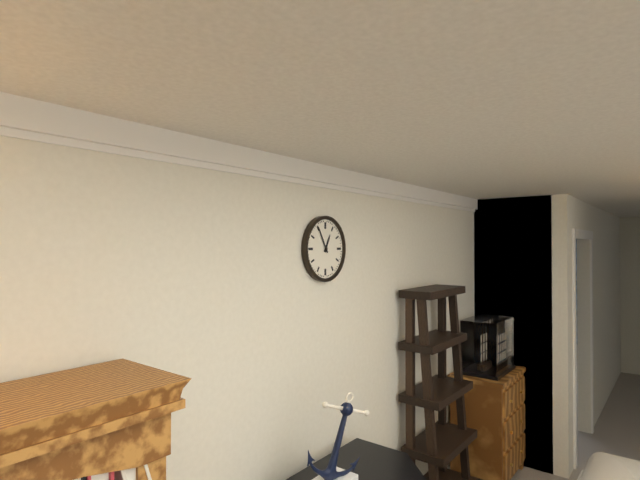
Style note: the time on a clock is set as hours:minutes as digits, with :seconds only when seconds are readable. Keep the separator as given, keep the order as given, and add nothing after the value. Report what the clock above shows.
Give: 12:55
